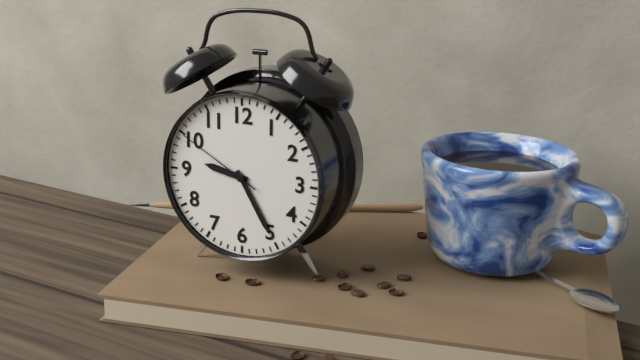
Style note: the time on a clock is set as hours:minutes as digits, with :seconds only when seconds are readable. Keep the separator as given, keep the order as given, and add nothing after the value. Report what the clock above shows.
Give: 9:25:50
